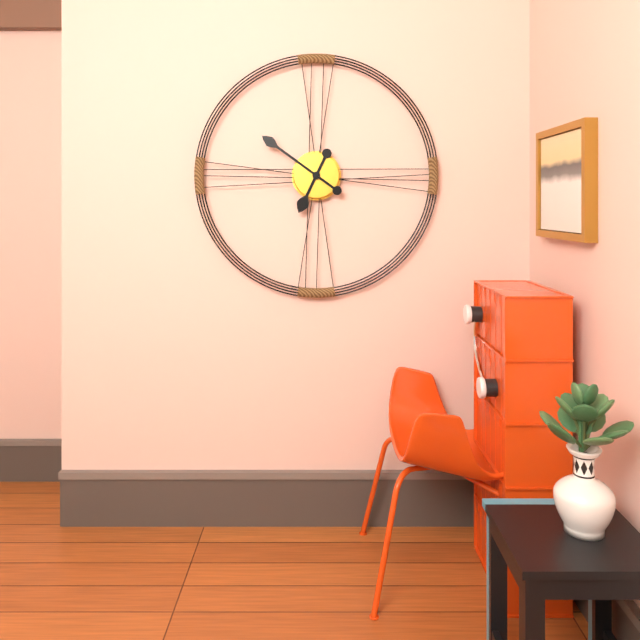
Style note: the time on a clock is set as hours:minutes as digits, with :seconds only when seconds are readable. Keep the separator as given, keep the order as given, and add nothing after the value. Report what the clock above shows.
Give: 6:51
